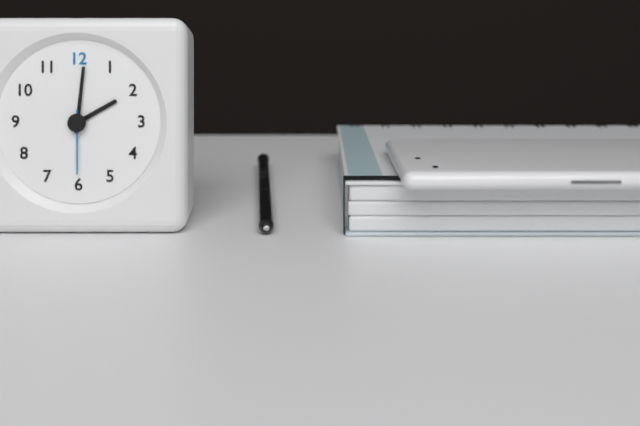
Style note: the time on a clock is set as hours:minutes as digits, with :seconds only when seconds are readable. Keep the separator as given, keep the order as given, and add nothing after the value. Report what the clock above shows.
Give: 2:01:30
